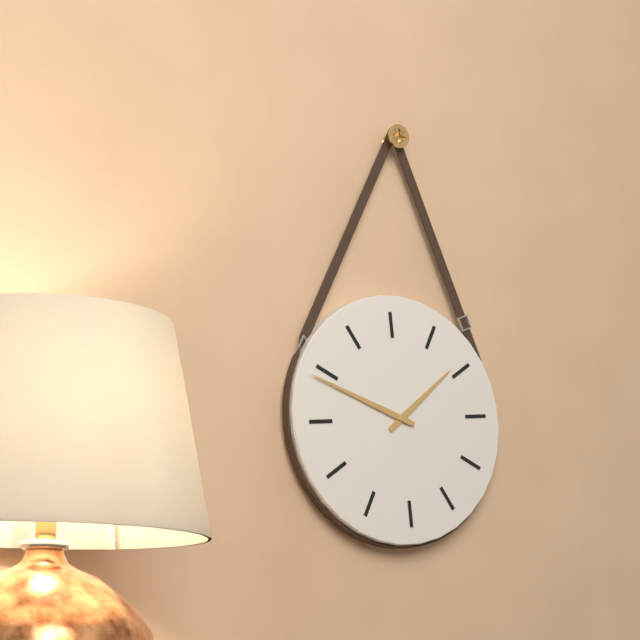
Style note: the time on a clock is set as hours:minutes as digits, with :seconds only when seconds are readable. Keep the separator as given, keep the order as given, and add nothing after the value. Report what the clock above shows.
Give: 1:49
